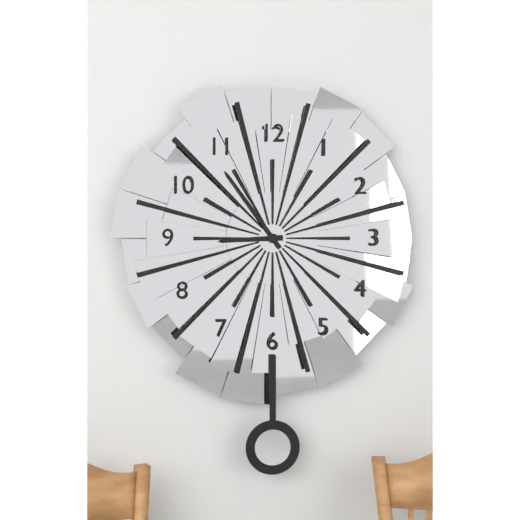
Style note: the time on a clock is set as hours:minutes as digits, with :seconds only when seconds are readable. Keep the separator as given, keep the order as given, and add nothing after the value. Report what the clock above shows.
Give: 8:54
